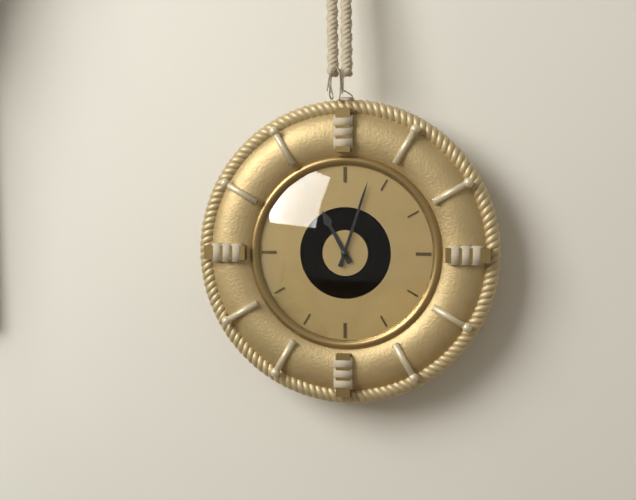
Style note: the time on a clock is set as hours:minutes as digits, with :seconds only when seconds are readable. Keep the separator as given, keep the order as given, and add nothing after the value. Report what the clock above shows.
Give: 11:03
